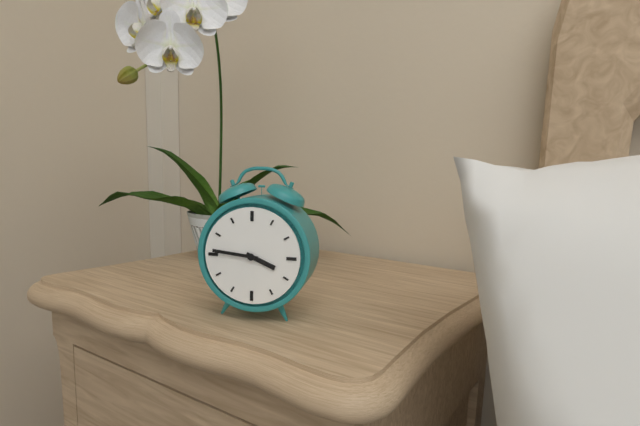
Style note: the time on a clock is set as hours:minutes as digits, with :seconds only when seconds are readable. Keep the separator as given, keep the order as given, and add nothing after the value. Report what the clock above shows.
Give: 3:46
